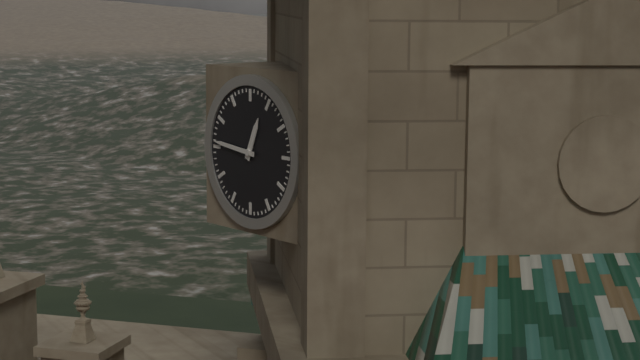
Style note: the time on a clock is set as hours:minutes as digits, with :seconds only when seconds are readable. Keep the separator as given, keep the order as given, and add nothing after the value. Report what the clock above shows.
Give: 12:46
